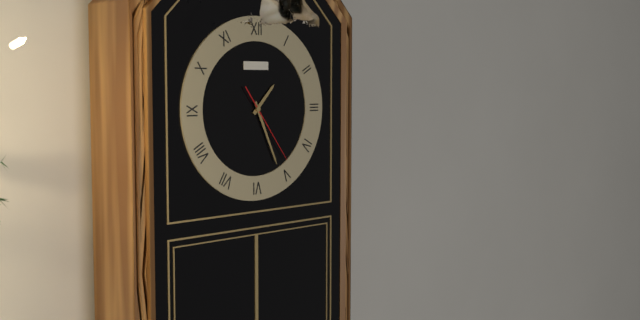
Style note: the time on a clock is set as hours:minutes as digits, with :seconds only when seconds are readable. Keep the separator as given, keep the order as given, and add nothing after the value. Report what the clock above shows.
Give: 1:26:24
